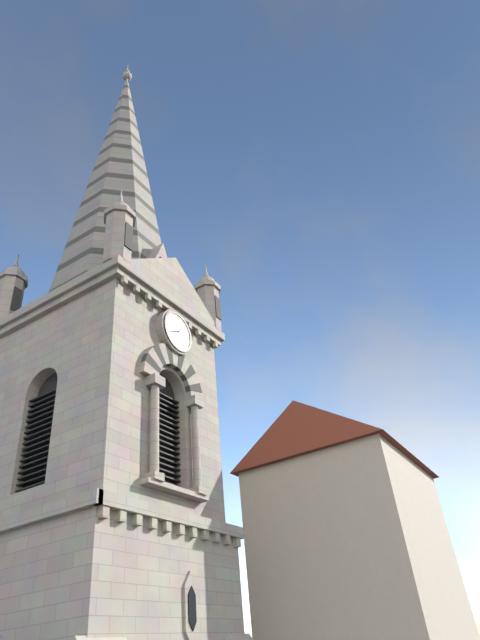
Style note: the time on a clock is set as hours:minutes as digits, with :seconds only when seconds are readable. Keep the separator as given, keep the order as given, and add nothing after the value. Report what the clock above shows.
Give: 1:41
